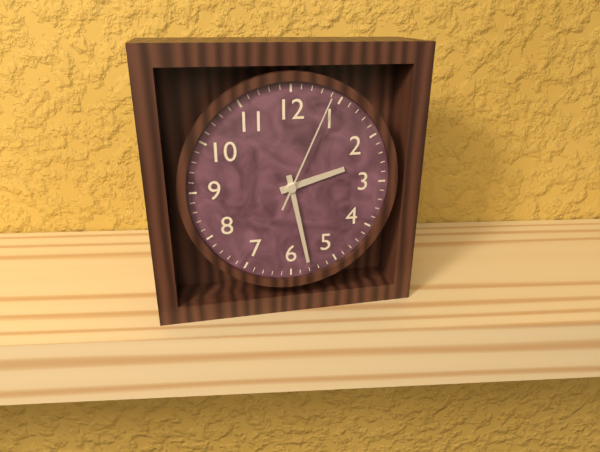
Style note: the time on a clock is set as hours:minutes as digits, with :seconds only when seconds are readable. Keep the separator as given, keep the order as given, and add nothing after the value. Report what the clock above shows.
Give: 2:28:04
